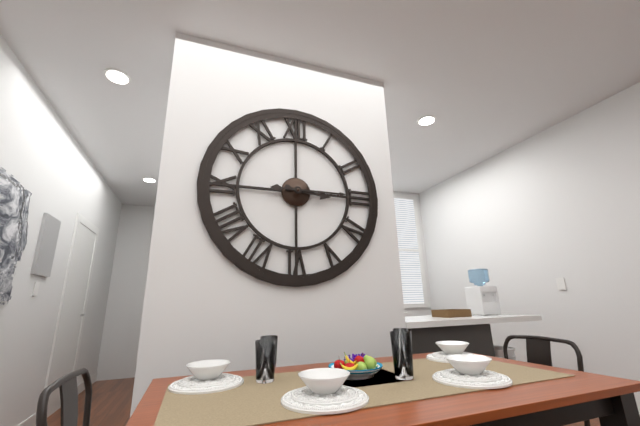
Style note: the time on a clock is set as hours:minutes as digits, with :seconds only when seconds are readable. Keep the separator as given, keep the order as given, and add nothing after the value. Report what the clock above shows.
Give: 3:15
